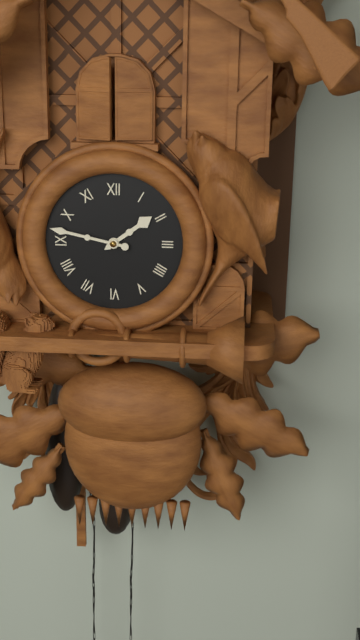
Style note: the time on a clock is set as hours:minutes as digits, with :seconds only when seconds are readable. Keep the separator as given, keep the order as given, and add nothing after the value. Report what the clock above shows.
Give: 1:47
